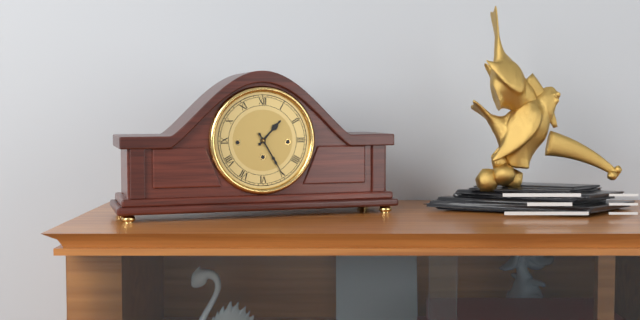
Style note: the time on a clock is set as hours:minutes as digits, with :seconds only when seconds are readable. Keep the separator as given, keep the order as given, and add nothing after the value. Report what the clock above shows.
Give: 1:25
